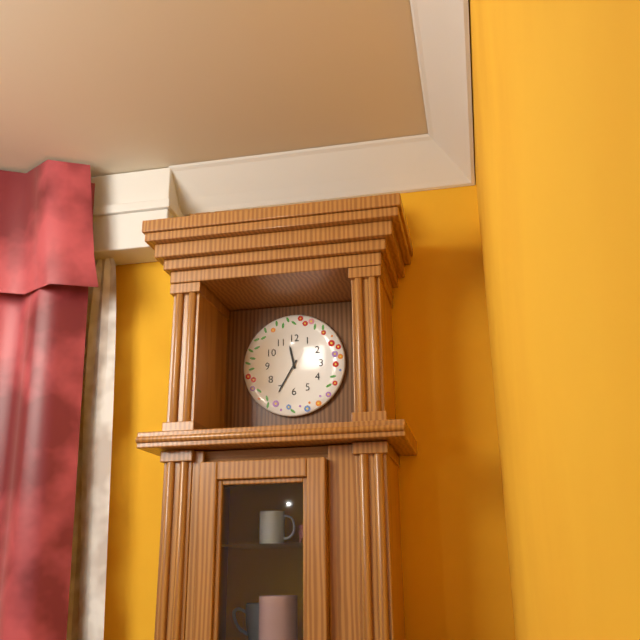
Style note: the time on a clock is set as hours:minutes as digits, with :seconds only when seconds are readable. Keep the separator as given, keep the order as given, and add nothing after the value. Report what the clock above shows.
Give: 11:35
